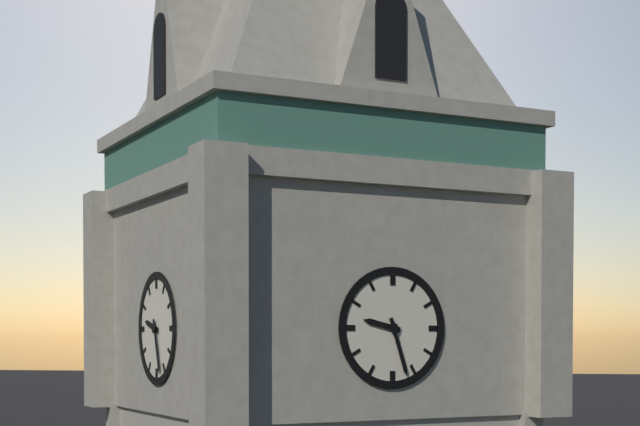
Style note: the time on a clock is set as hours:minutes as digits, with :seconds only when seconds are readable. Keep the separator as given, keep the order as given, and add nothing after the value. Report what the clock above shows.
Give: 9:27
